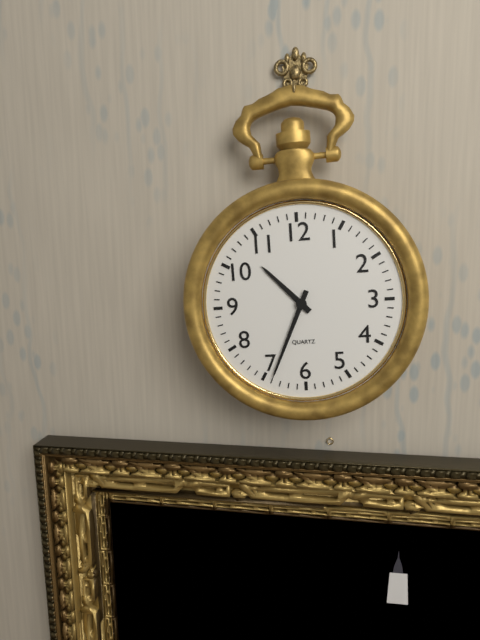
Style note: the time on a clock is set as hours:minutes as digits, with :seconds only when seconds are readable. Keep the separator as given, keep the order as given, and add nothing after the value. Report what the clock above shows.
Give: 10:34
